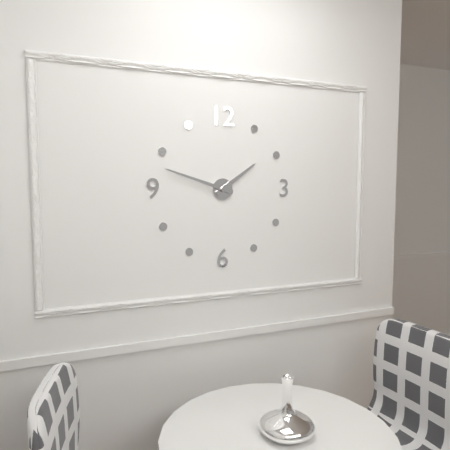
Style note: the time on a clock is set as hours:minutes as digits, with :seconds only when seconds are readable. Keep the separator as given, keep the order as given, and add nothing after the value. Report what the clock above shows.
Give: 1:48
